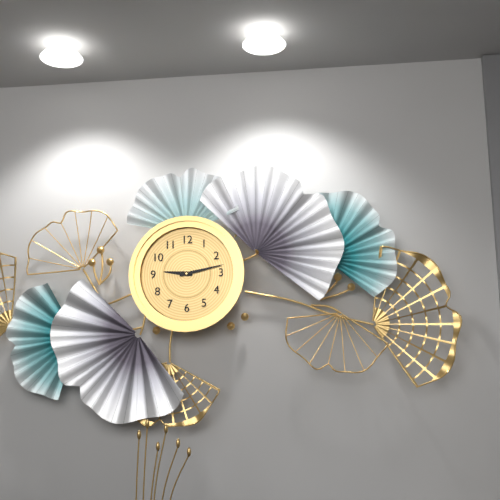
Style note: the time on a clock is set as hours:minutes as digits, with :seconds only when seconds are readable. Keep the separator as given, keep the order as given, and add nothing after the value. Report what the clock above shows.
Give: 9:13
